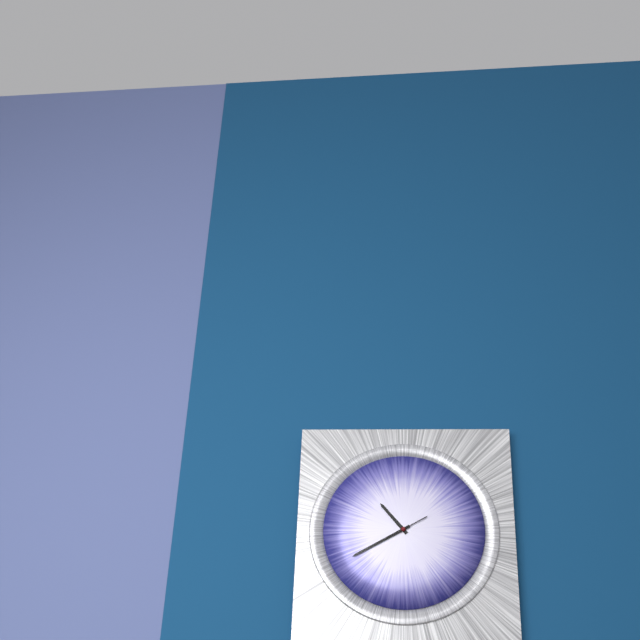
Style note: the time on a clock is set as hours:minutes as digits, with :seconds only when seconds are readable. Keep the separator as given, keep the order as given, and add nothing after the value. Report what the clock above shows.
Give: 10:40
